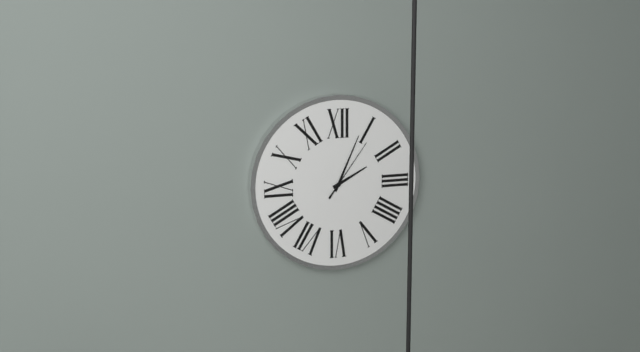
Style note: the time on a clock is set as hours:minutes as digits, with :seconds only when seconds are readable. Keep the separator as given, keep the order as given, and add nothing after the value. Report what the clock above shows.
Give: 2:04:06
